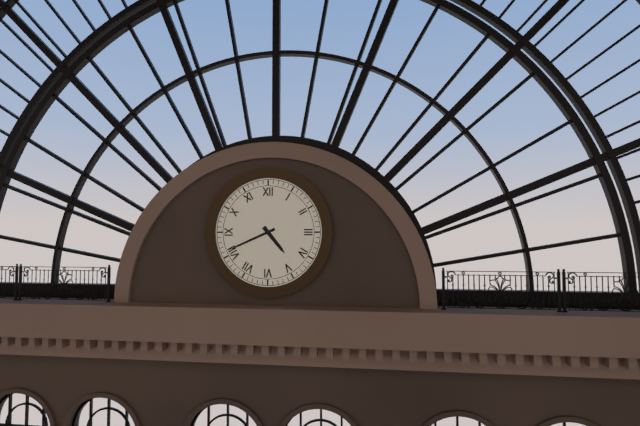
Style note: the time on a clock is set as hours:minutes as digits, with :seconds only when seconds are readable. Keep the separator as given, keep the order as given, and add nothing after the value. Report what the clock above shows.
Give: 4:41
